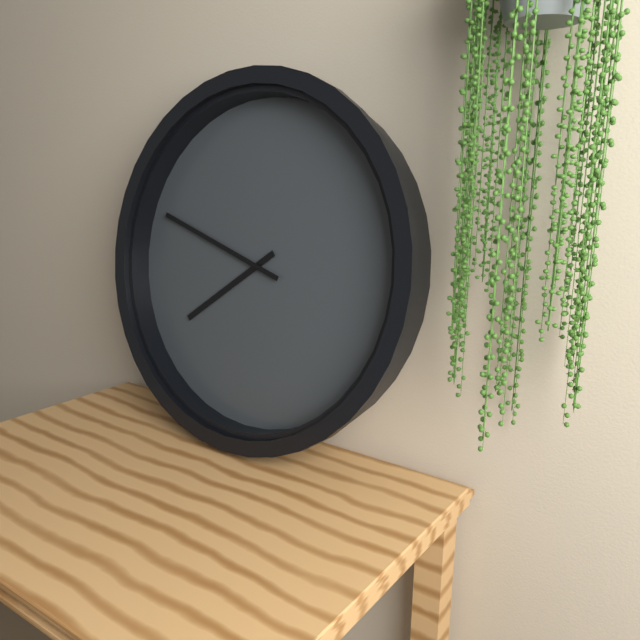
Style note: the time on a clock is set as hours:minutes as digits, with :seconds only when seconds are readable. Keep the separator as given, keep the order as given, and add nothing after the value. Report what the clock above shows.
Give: 7:48
